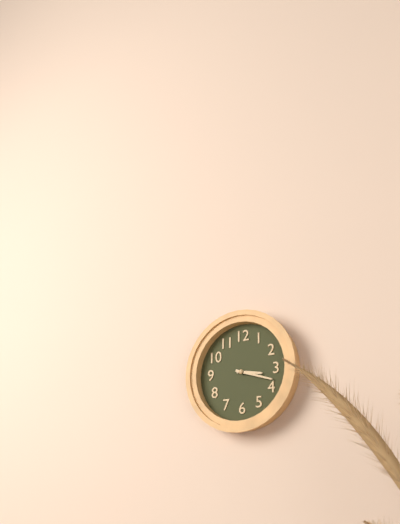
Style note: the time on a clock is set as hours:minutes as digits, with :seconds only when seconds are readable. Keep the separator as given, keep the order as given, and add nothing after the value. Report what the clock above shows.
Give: 3:18
